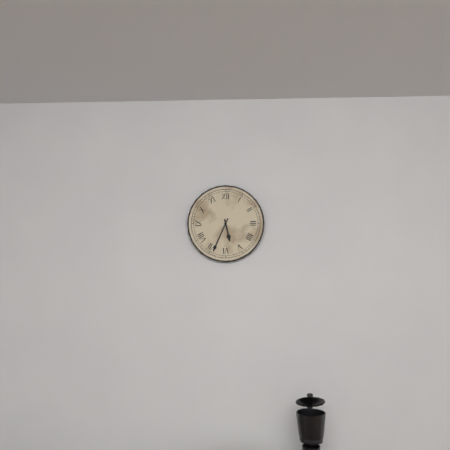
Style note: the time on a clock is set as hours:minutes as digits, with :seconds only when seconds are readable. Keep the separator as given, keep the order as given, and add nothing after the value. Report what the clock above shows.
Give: 5:34
